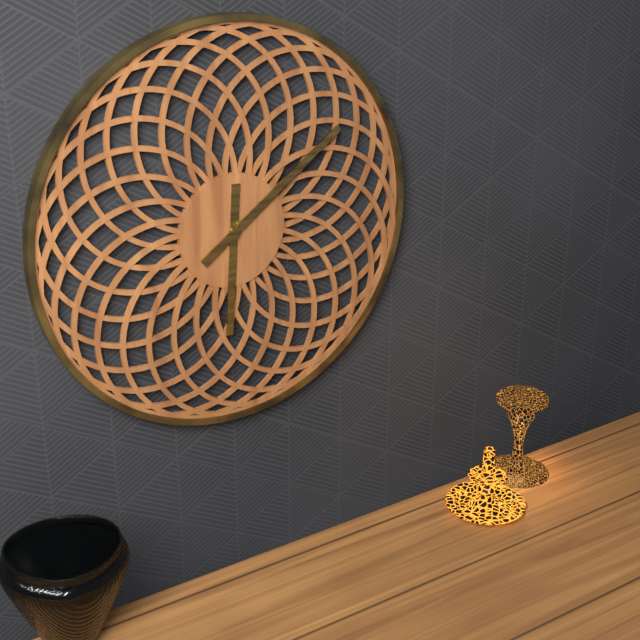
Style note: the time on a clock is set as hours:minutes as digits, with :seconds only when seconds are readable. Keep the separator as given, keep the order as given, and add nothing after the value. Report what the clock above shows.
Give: 6:09
